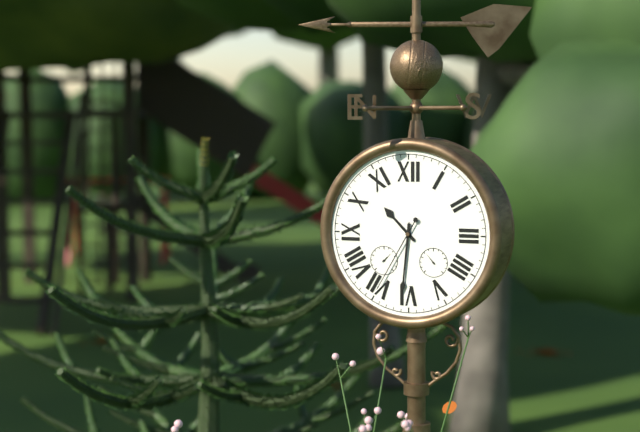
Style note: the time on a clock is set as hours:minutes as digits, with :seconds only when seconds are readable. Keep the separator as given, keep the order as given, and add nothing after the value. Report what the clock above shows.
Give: 10:31:35
